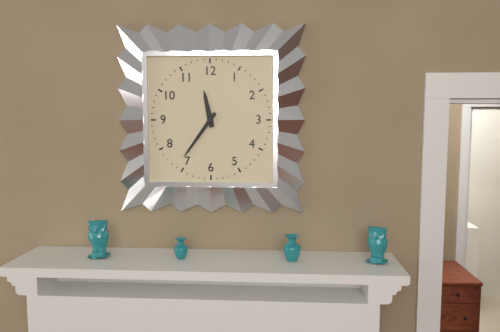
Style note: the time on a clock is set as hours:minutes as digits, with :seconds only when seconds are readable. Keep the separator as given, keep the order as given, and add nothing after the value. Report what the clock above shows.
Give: 11:36
